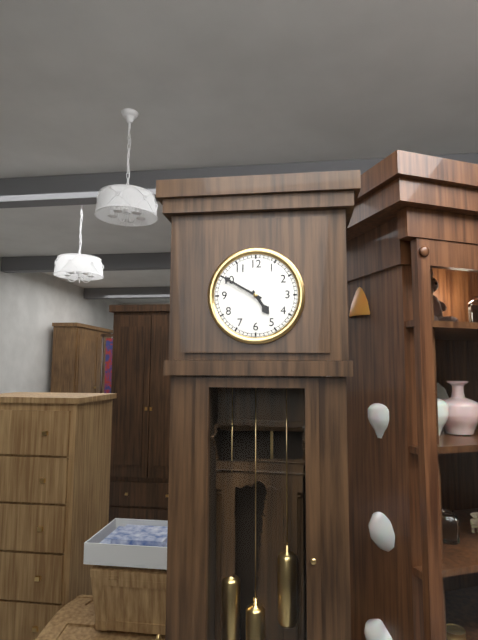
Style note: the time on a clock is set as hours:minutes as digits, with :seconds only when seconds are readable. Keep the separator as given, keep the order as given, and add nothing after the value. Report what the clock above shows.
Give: 4:50
